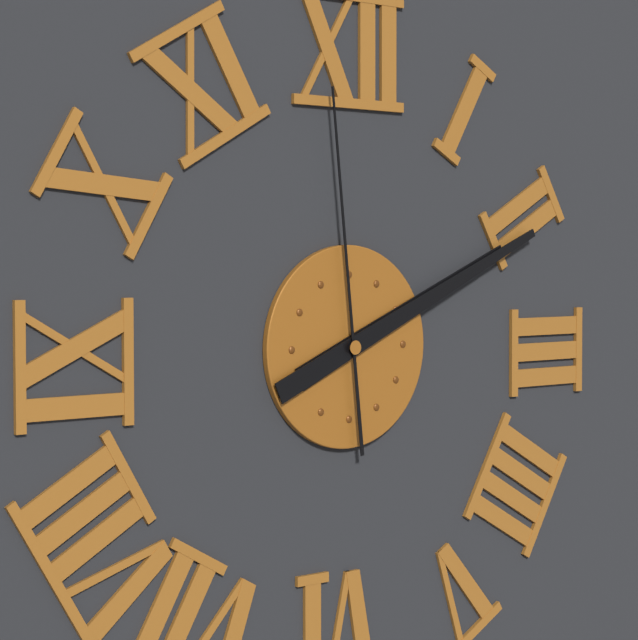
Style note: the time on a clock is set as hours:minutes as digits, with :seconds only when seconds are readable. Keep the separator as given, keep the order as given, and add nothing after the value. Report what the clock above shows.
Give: 2:11:59
